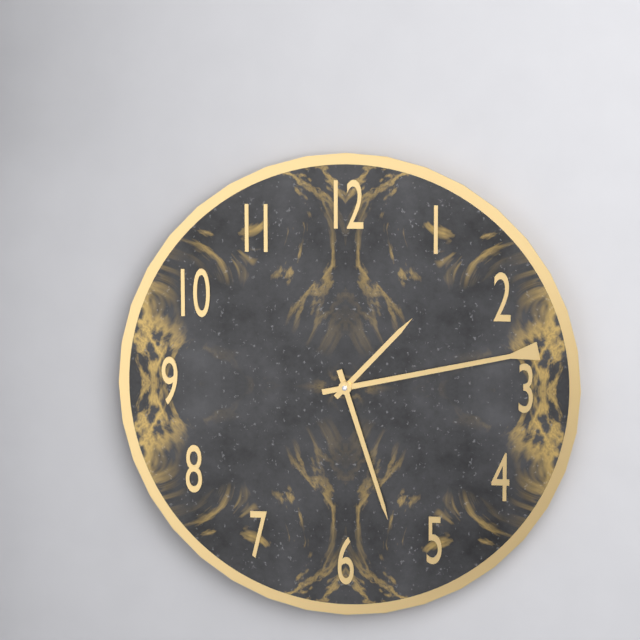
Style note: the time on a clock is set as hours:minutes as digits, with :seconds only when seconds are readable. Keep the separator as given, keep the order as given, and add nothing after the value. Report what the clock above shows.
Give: 1:27:13
